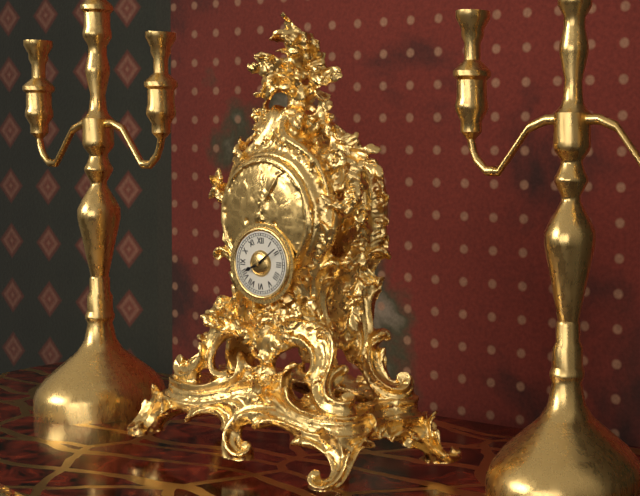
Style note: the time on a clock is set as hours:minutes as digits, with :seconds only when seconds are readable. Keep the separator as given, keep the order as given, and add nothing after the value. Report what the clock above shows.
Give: 8:09
